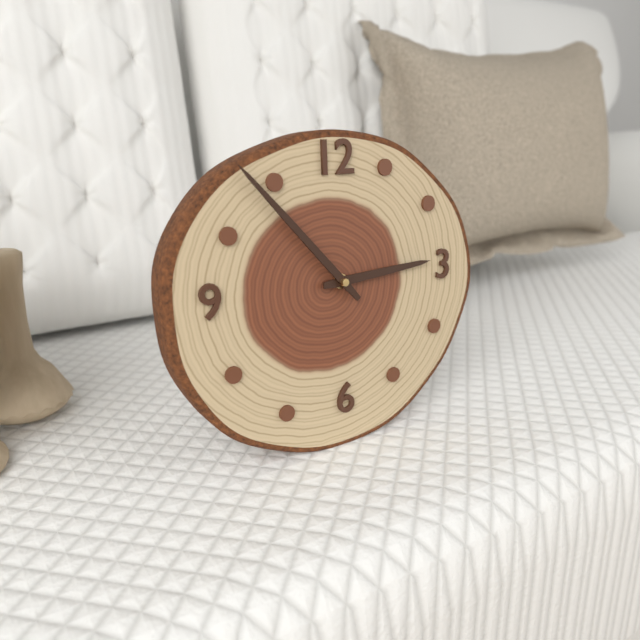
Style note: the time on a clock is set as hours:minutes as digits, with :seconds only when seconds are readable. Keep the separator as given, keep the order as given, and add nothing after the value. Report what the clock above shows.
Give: 2:53
